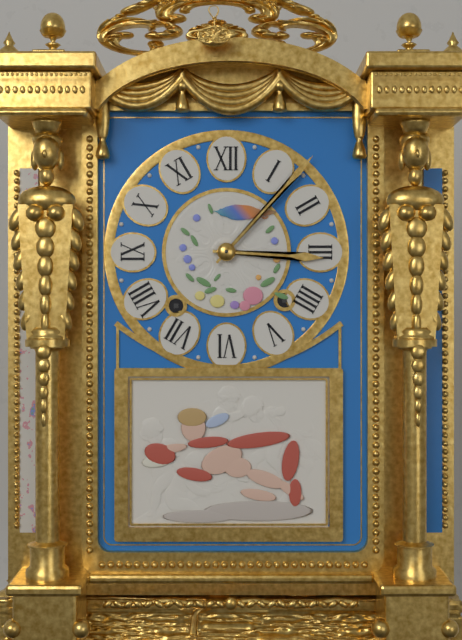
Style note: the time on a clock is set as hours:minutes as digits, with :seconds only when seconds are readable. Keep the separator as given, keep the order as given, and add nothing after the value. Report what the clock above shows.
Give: 3:07
